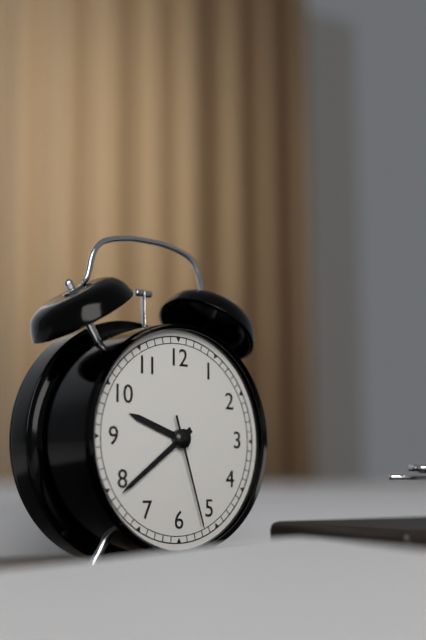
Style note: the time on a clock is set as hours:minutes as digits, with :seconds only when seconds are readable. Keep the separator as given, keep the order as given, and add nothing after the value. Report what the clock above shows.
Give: 9:39:27
